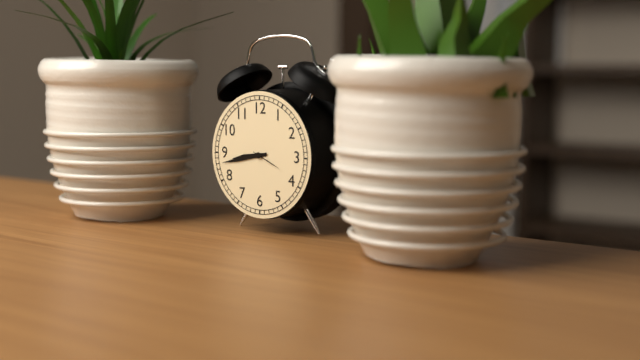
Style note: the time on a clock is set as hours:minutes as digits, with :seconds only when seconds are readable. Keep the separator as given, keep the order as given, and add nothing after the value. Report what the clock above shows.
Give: 8:43
